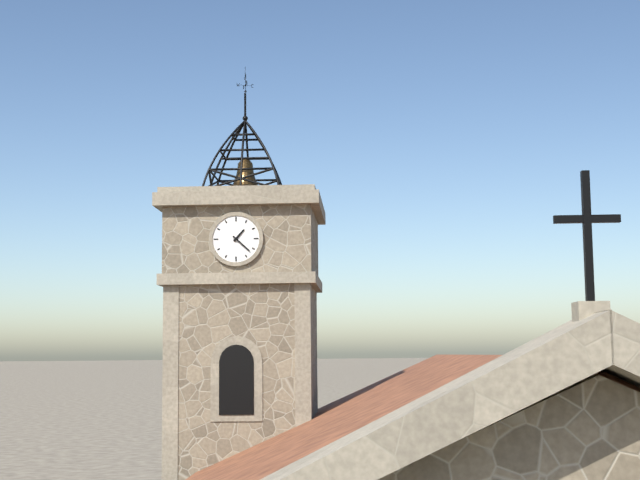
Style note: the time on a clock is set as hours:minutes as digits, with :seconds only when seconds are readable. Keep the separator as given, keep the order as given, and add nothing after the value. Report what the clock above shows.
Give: 1:22
